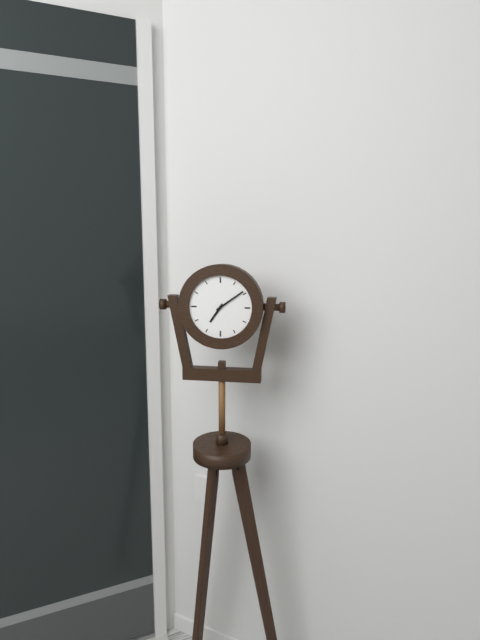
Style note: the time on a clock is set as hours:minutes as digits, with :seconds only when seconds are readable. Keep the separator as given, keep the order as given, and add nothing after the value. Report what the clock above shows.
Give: 7:09
